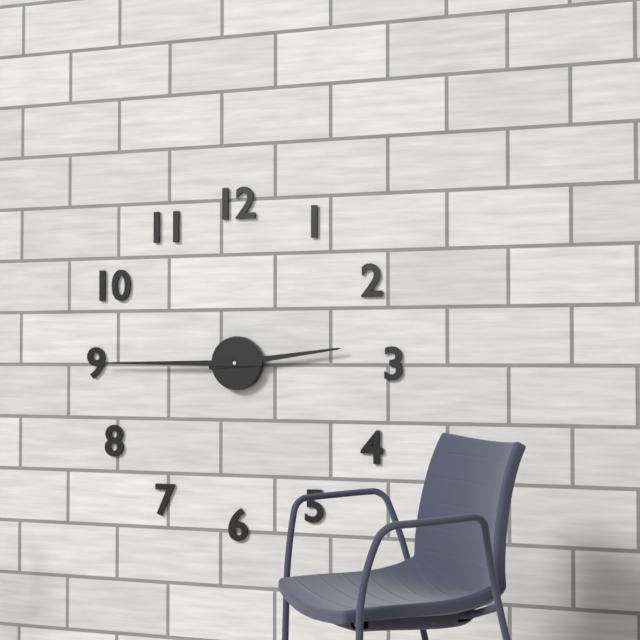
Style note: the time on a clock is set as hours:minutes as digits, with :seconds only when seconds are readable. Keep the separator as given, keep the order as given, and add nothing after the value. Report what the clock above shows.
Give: 2:45
